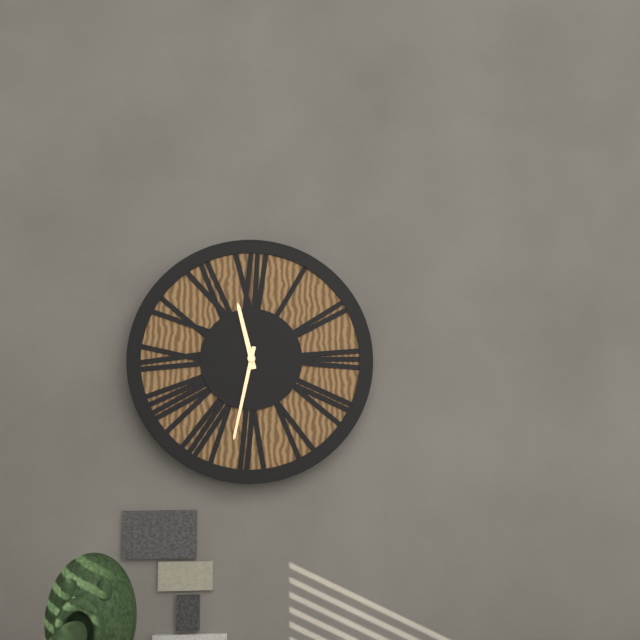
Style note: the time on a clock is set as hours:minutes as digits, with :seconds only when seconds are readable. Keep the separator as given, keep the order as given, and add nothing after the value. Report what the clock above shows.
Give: 11:32
